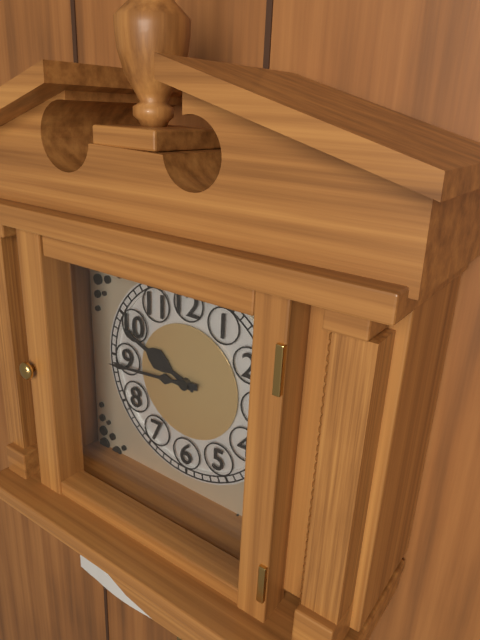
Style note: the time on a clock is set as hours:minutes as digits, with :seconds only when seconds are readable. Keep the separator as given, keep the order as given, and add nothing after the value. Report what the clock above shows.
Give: 9:44
